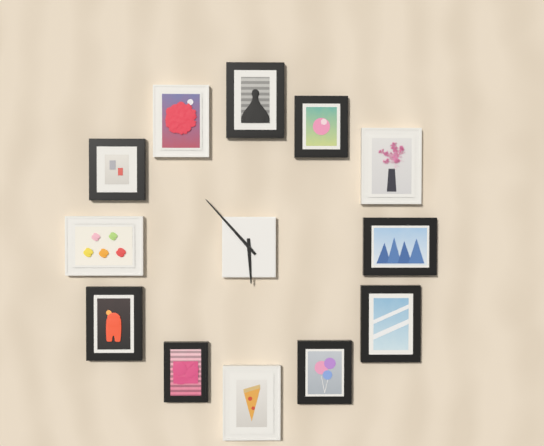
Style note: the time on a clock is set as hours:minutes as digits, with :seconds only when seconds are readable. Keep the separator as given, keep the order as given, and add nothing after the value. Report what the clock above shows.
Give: 5:53
